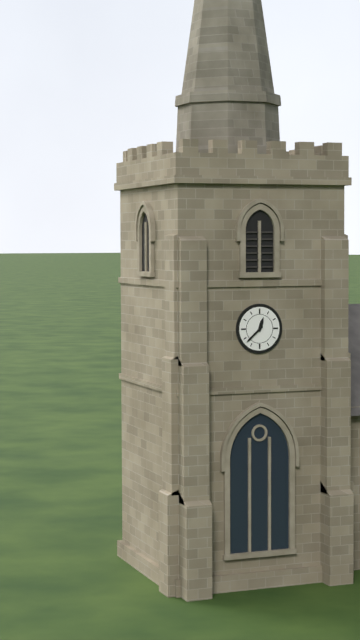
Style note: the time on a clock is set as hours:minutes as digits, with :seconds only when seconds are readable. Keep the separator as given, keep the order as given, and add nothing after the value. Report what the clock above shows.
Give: 12:38
